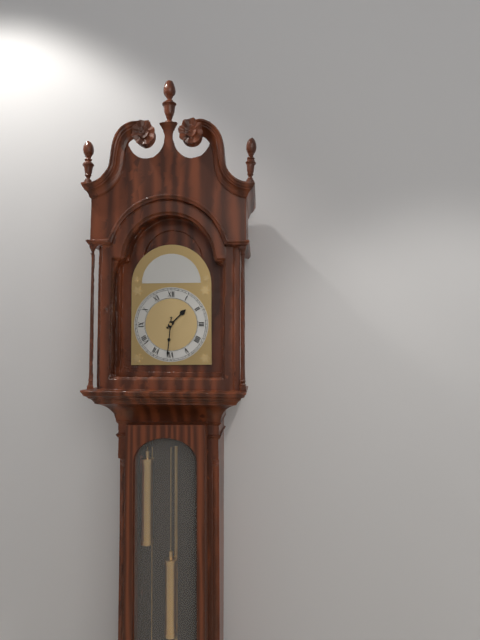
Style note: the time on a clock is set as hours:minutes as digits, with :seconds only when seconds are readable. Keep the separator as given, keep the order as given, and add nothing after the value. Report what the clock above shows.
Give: 1:31
